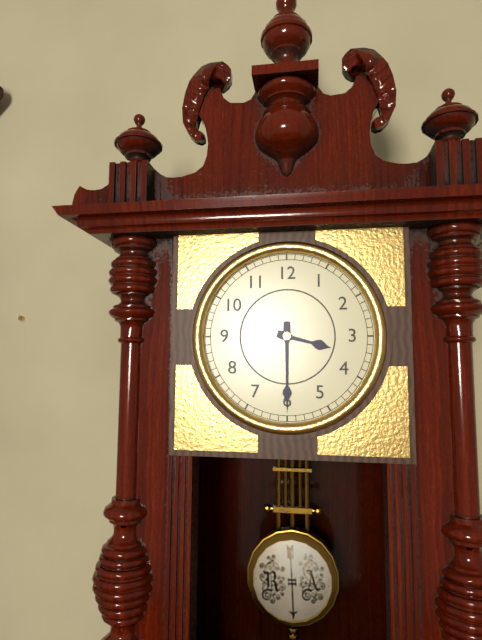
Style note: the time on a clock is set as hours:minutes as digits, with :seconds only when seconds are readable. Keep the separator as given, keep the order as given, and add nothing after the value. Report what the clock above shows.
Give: 3:30
